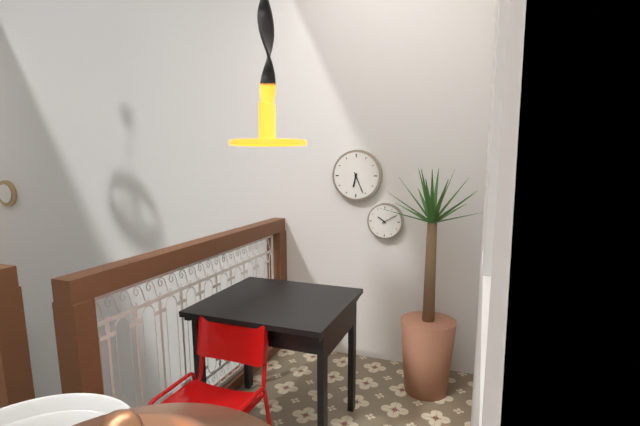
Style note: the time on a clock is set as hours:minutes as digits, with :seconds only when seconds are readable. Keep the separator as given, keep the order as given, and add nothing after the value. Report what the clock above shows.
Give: 6:26
